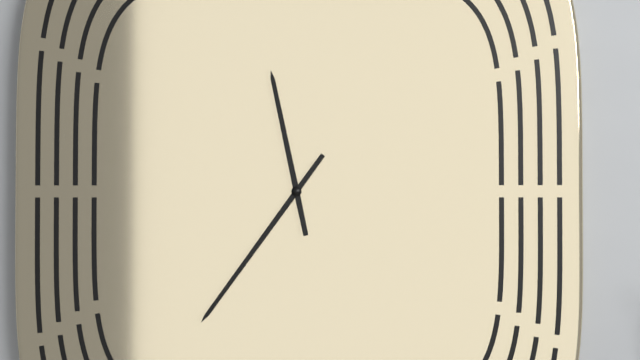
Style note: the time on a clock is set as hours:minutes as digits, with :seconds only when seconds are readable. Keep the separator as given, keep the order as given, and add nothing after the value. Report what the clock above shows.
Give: 11:36
